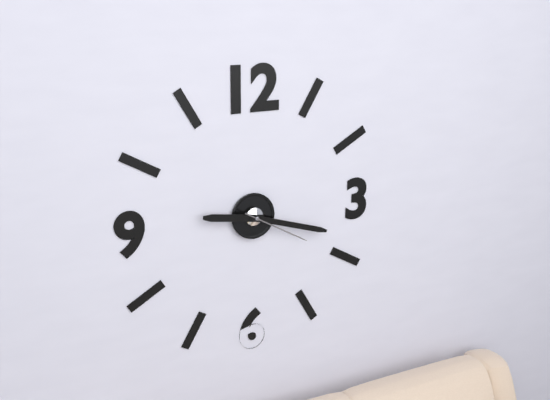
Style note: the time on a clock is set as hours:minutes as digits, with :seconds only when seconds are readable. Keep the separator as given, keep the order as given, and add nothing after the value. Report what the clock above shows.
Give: 9:18:20
